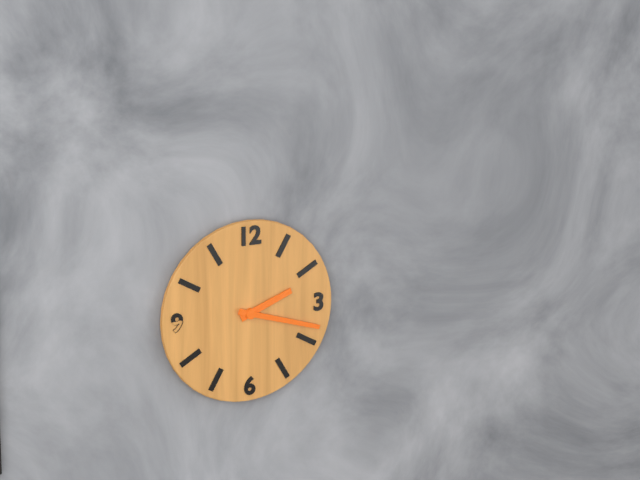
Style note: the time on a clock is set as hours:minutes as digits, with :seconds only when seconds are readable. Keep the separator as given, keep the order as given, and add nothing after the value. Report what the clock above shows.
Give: 2:18
